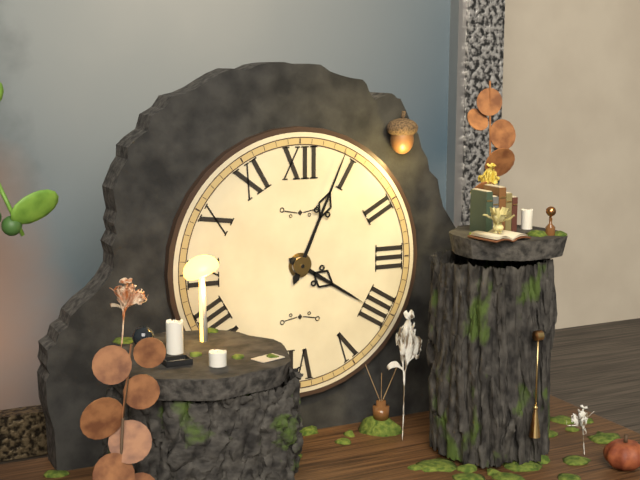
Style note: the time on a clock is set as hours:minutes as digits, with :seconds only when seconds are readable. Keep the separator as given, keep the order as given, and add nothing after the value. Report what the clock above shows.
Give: 4:04
